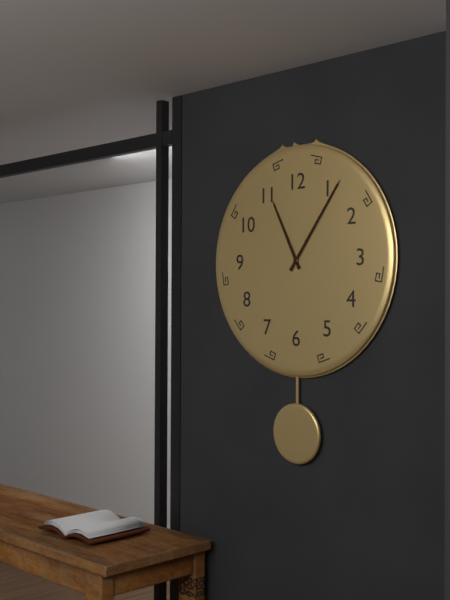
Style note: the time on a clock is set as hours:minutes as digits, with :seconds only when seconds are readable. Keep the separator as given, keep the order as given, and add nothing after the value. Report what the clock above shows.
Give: 11:06
